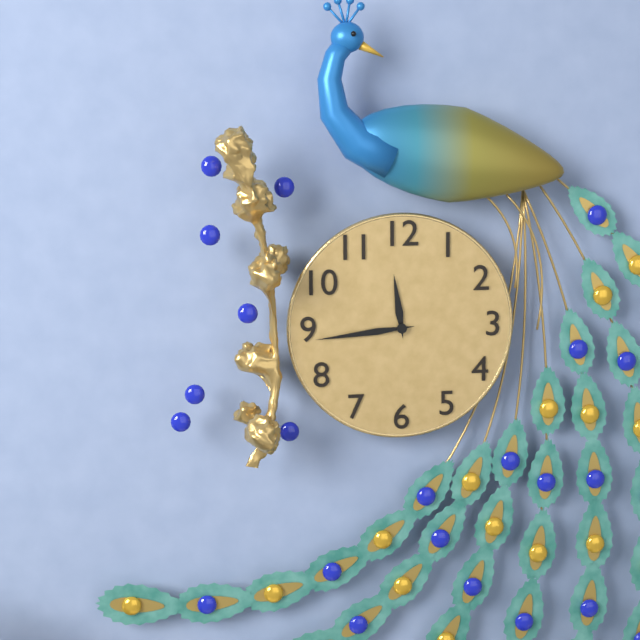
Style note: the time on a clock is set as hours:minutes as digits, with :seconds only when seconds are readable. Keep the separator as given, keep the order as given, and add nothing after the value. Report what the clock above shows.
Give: 11:44
